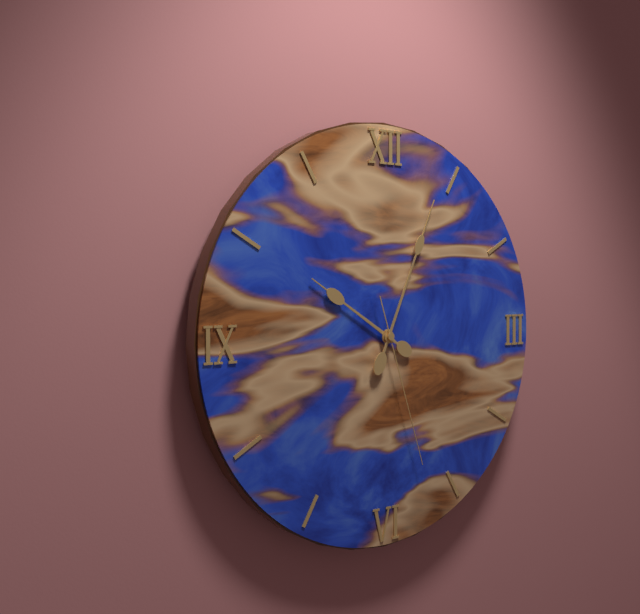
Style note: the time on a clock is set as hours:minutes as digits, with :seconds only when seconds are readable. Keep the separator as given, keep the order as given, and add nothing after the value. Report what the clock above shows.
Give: 10:04:27
